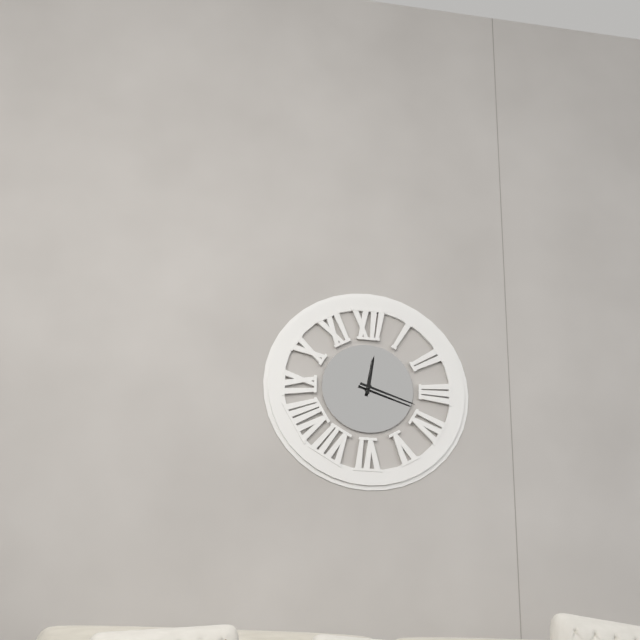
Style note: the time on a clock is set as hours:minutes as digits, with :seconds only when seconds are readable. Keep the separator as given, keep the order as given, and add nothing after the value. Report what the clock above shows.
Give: 12:18
